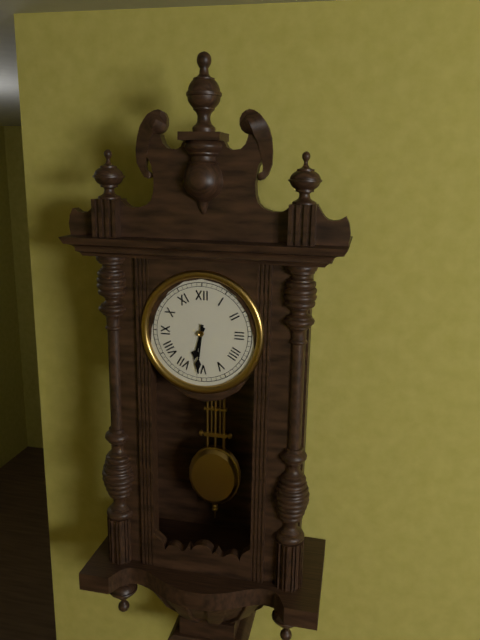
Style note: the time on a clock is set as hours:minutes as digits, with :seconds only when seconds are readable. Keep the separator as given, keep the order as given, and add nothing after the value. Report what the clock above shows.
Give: 6:31
